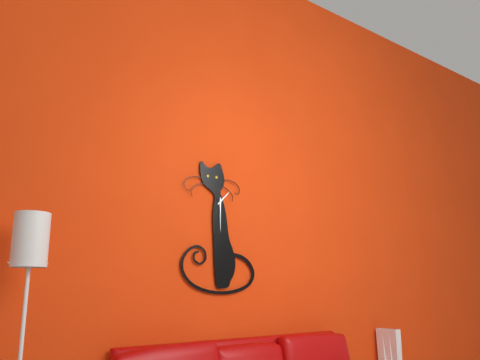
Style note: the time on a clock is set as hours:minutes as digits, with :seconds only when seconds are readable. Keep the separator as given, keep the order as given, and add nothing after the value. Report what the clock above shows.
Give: 1:30
